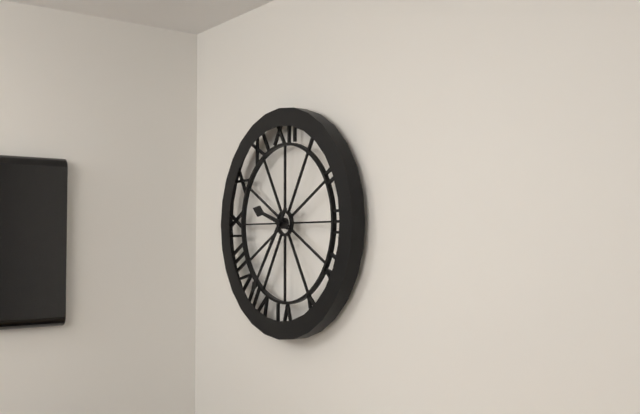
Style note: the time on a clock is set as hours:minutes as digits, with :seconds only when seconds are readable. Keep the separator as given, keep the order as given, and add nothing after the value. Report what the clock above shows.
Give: 9:36
